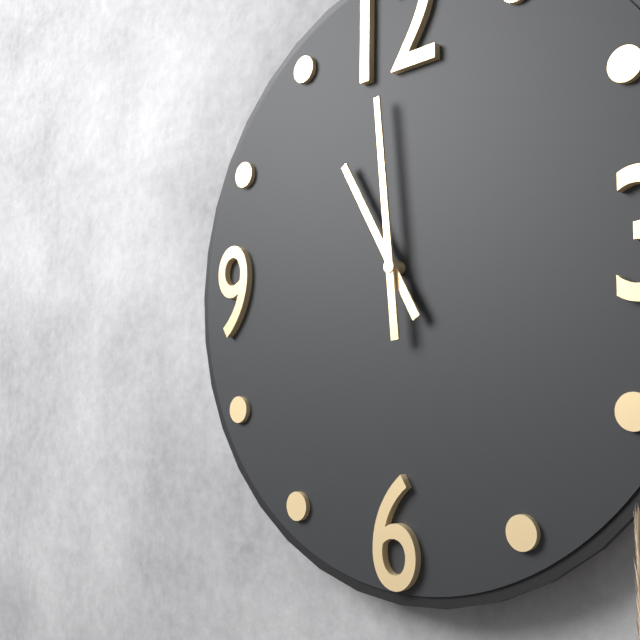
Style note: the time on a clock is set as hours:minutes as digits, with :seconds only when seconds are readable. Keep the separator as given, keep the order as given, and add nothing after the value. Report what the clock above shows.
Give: 10:59
